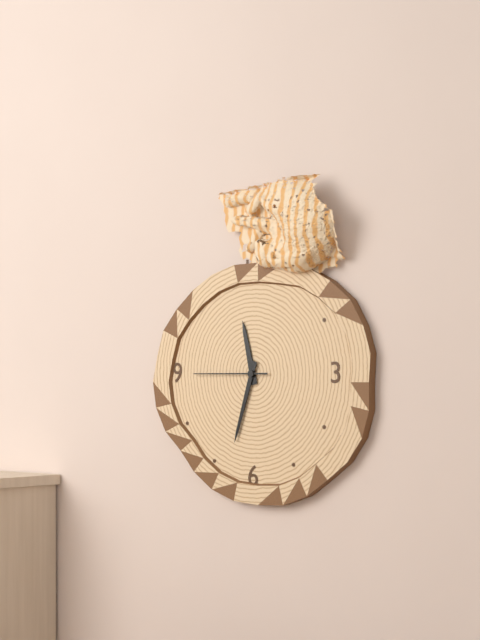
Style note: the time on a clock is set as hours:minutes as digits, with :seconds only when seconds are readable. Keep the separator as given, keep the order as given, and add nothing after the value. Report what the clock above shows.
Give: 11:33:45
